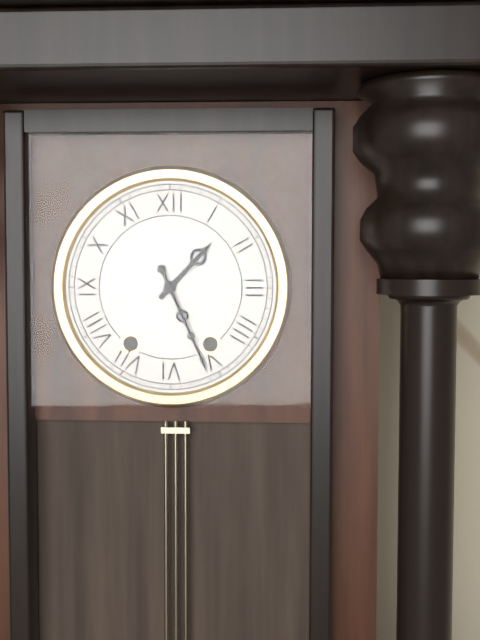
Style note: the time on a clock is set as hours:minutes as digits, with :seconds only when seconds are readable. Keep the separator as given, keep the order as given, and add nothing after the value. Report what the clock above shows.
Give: 1:26
